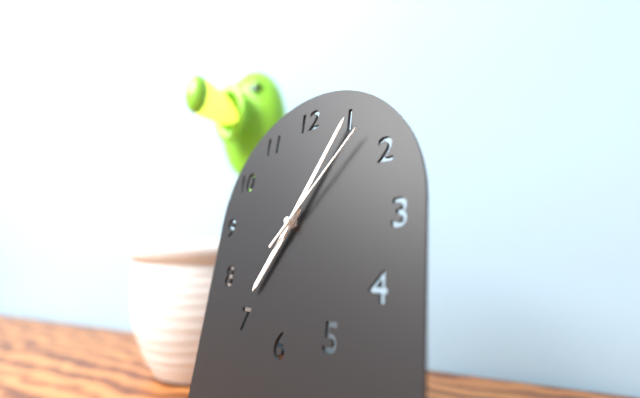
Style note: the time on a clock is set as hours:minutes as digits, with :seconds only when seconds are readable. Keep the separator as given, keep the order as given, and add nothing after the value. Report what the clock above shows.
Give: 7:05:07
